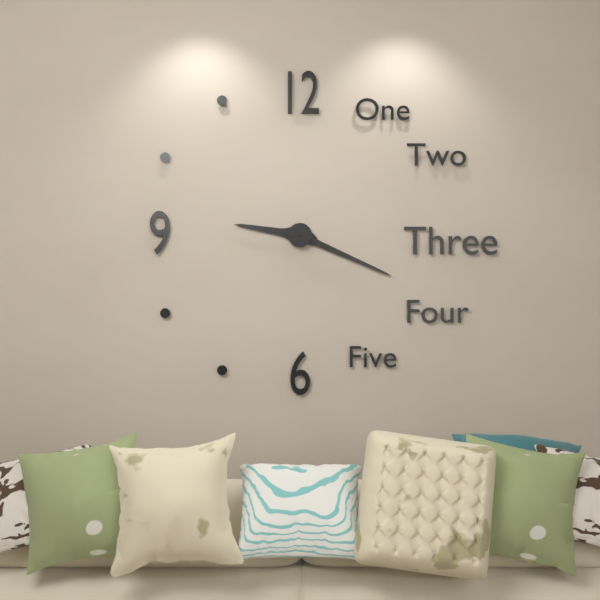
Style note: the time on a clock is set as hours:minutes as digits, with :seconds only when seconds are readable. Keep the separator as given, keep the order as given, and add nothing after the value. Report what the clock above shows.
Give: 9:19
